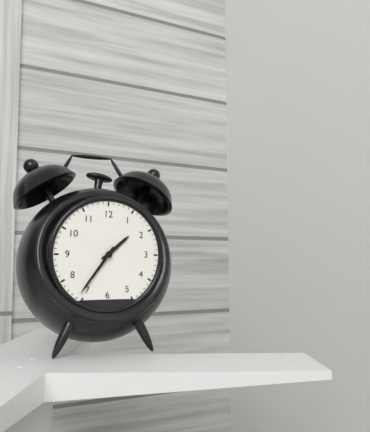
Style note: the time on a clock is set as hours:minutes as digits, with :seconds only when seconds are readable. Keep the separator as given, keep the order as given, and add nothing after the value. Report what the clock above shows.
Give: 1:36
